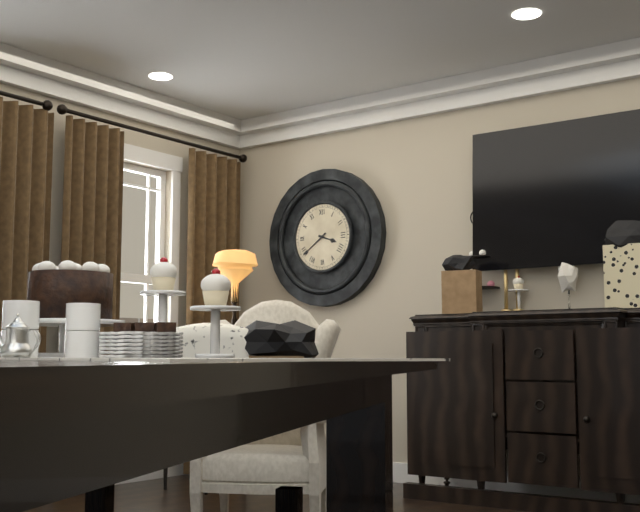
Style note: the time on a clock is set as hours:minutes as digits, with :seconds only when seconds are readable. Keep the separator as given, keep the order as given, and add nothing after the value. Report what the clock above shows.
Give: 3:39
